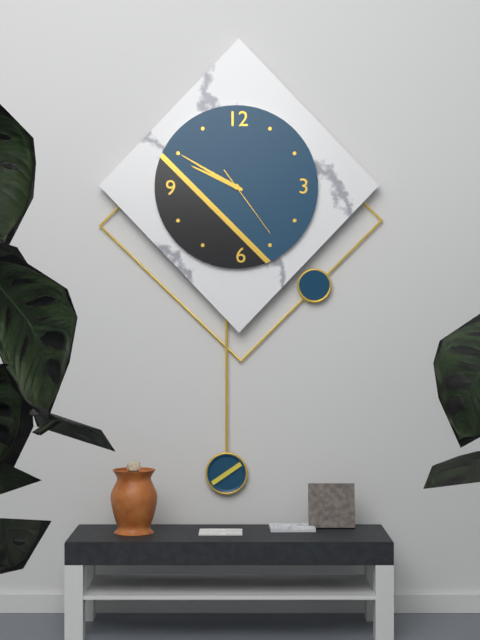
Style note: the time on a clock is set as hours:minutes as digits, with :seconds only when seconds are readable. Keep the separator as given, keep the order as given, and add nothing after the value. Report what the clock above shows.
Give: 9:50:24
